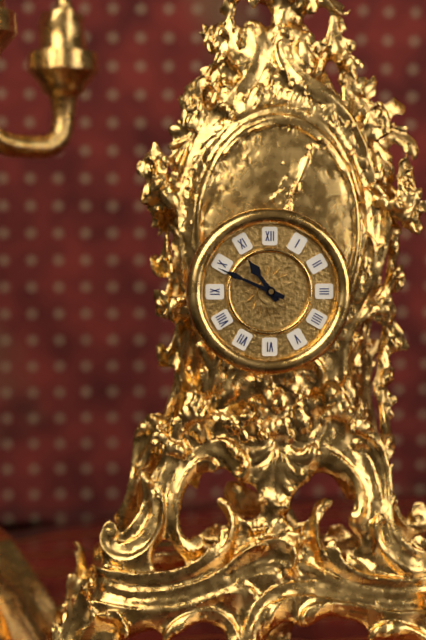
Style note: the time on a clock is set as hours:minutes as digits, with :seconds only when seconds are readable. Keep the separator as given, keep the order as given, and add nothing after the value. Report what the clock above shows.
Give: 10:49
